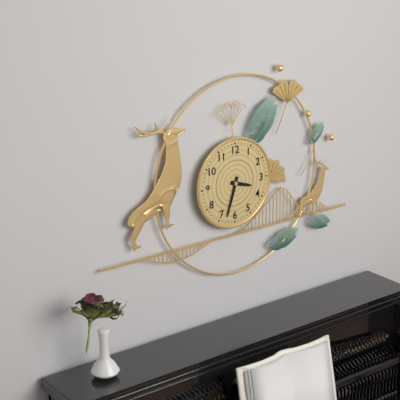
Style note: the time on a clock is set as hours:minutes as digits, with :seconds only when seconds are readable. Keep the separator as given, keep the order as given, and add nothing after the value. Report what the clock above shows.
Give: 3:33
